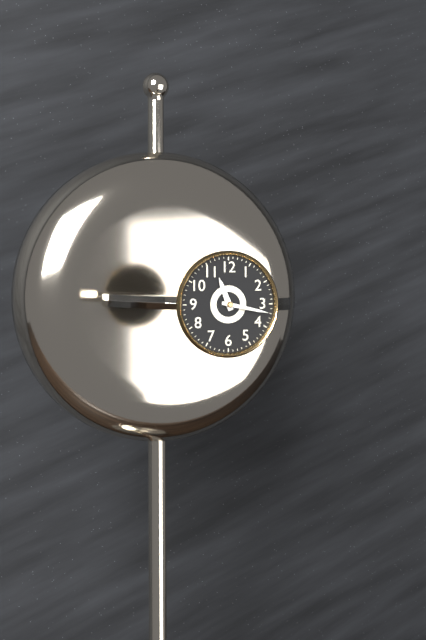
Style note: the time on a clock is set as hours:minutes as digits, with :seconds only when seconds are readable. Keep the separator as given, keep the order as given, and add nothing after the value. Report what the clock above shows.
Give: 11:17
